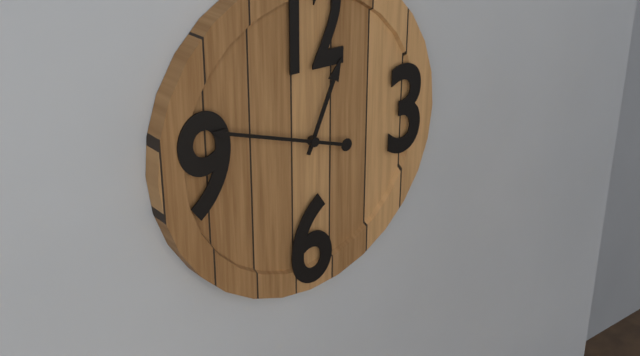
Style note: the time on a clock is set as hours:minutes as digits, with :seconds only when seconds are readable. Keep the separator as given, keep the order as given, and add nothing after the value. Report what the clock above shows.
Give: 12:48
